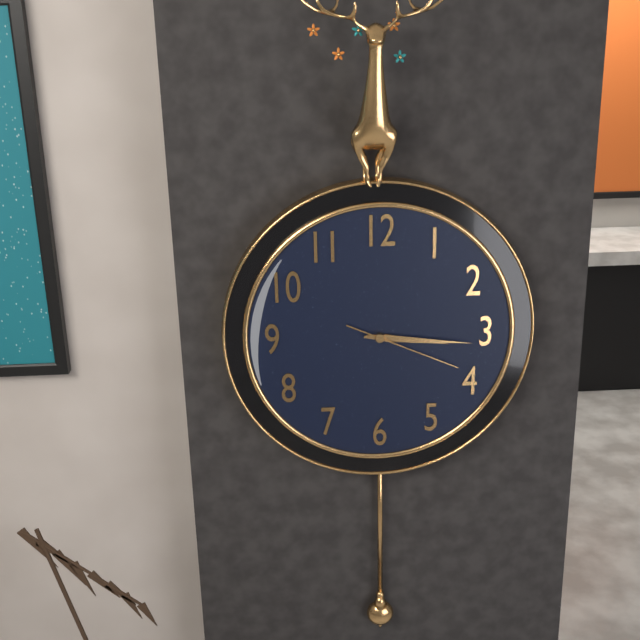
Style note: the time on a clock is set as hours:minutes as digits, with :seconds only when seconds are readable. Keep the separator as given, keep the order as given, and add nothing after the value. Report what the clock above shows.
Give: 3:16:19
